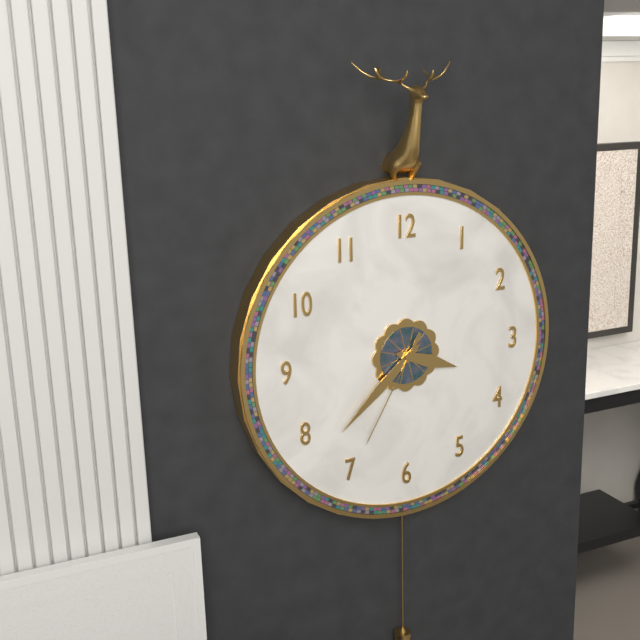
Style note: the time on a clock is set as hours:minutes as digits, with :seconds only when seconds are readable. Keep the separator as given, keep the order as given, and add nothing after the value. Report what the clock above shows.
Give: 3:38:35
